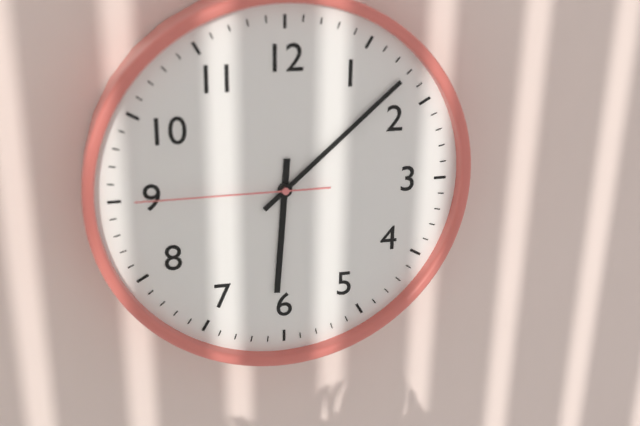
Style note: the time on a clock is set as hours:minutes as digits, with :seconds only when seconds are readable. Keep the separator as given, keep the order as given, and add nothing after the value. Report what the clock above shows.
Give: 6:08:45
